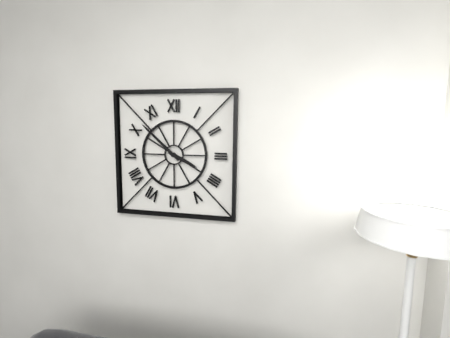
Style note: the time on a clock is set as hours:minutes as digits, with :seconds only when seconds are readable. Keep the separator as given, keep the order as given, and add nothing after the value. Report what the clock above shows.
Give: 3:52
